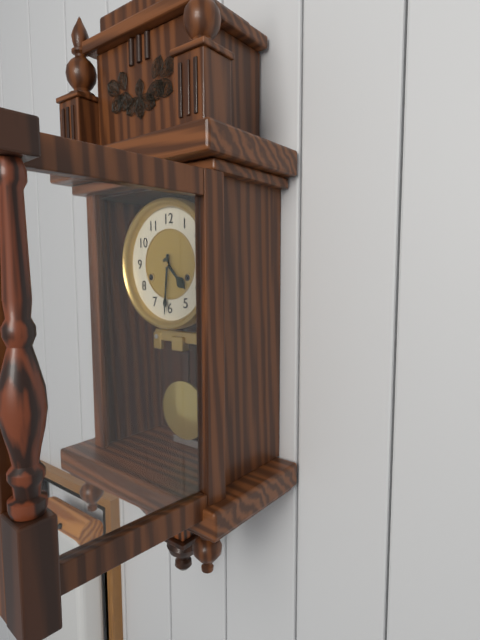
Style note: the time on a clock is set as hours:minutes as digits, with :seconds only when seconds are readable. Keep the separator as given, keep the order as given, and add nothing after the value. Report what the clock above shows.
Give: 4:31
